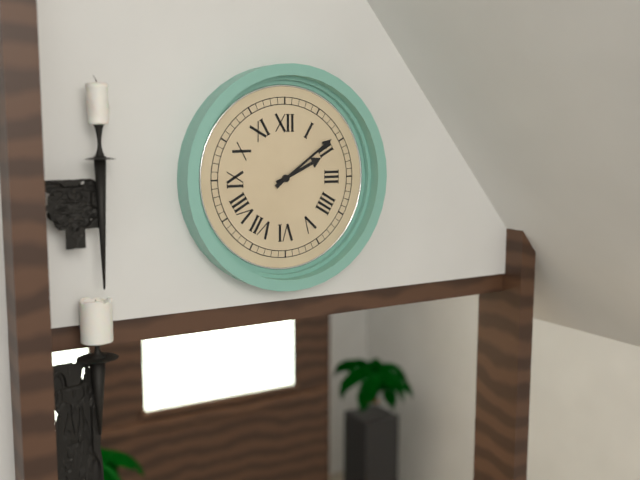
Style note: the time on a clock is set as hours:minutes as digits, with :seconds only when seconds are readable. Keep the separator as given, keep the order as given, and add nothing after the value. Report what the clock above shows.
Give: 2:09
